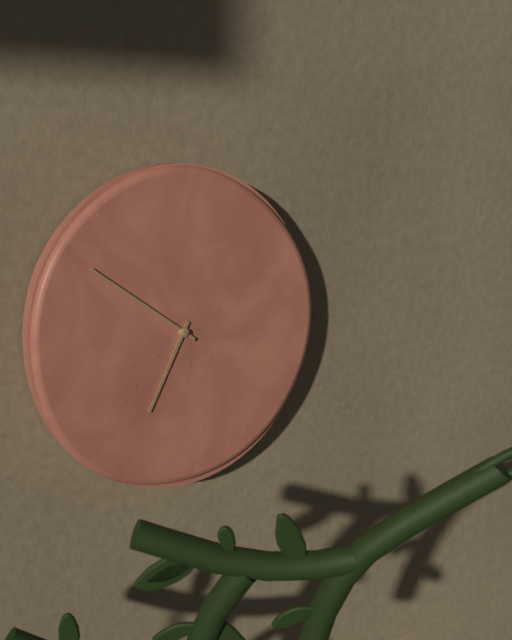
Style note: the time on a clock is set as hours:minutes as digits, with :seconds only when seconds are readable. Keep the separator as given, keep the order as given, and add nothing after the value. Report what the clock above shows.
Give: 6:51
